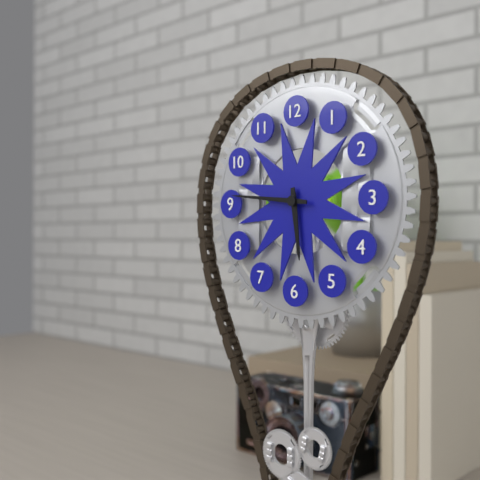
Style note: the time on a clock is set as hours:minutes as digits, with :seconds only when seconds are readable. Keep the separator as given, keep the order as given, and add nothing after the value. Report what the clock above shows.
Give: 5:46
